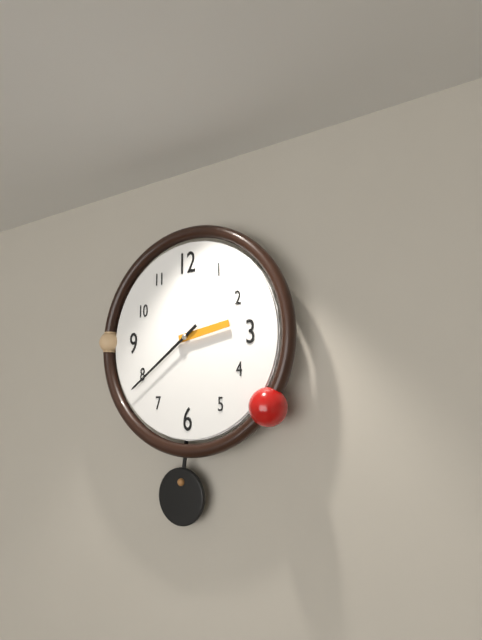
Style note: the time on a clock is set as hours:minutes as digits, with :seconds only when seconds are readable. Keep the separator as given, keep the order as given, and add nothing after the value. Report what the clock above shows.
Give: 2:39
